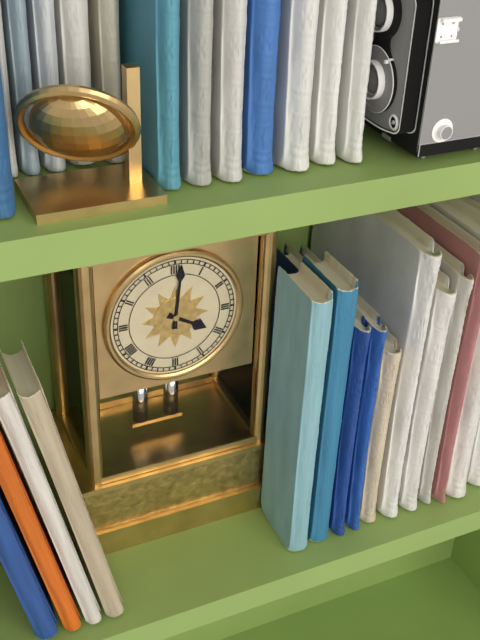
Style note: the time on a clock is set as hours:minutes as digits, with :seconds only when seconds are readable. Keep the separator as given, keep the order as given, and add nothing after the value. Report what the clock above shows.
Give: 4:01
